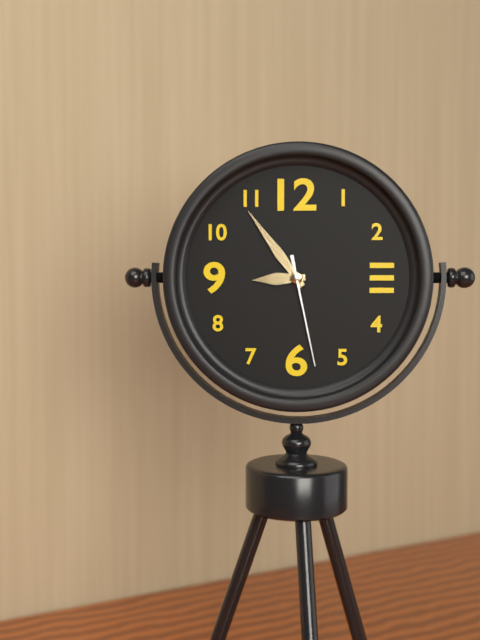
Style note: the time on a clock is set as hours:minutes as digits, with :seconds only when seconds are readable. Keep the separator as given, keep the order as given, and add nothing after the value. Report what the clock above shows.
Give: 8:54:28
